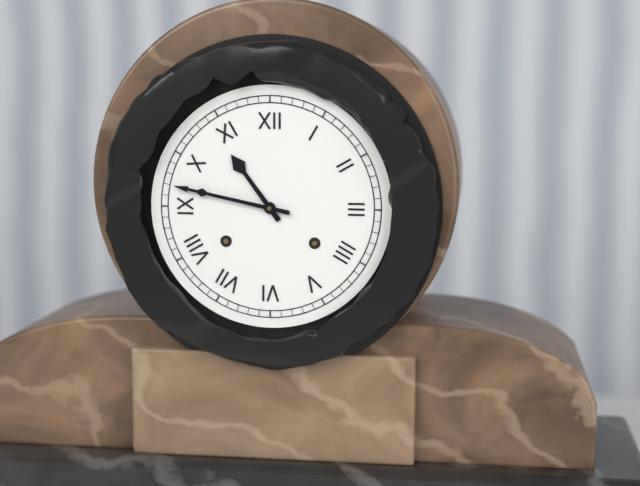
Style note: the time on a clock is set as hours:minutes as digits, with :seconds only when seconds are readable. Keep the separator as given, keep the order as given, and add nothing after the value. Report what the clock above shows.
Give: 10:47
